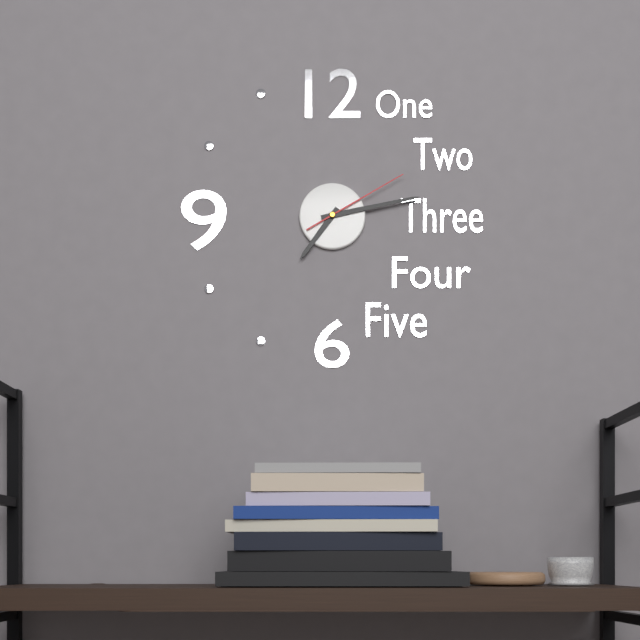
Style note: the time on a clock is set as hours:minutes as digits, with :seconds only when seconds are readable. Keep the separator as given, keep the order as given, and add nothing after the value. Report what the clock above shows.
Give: 7:13:10
